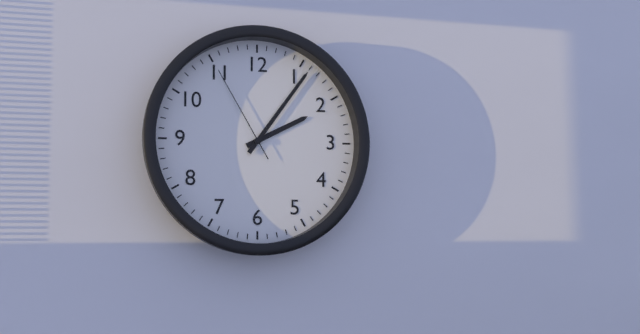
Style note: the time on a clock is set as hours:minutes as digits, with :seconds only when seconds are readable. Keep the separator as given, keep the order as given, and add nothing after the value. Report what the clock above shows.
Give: 2:06:55
